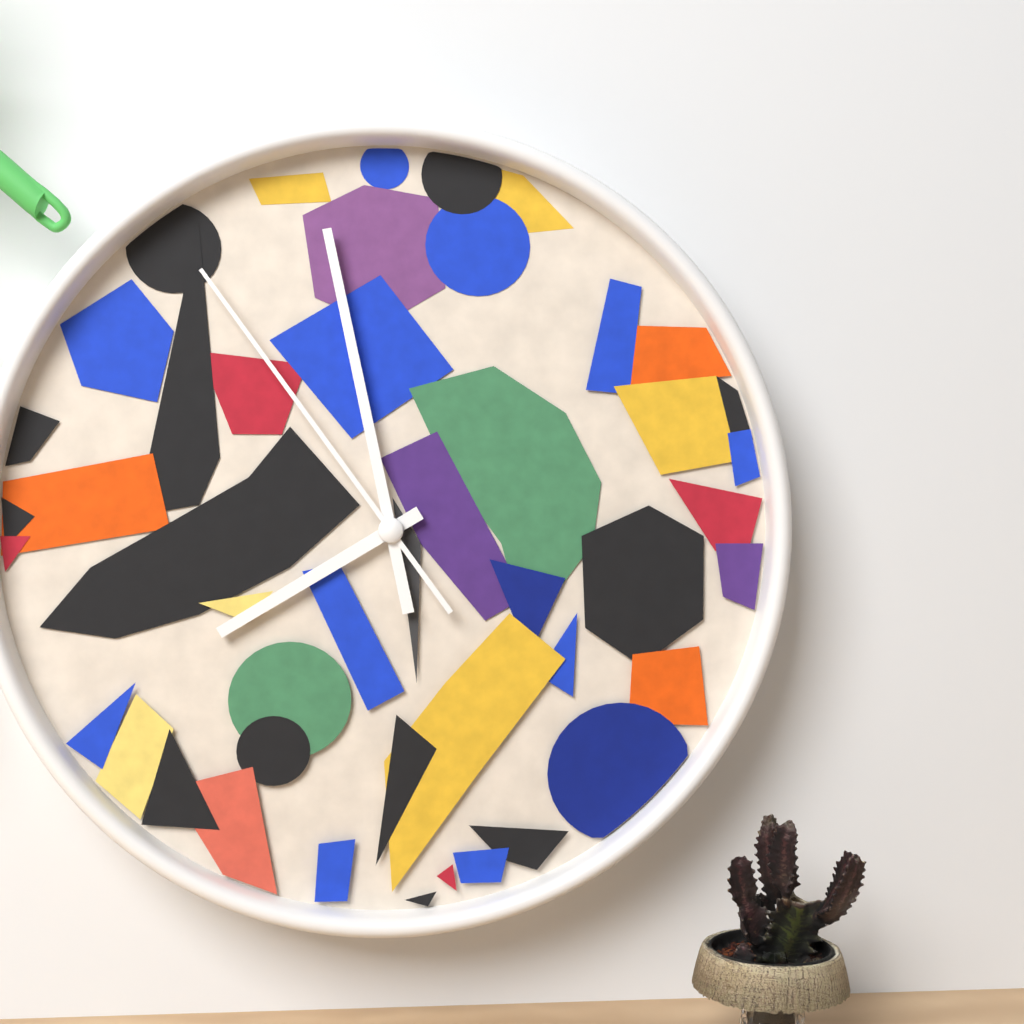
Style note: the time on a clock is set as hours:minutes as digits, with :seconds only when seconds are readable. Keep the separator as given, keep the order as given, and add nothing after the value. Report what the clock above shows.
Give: 7:58:54
